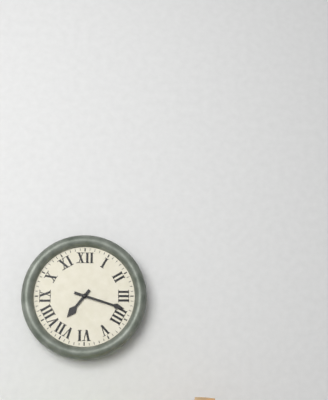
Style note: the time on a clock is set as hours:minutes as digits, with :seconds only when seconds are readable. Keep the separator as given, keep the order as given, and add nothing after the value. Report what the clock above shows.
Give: 7:18
